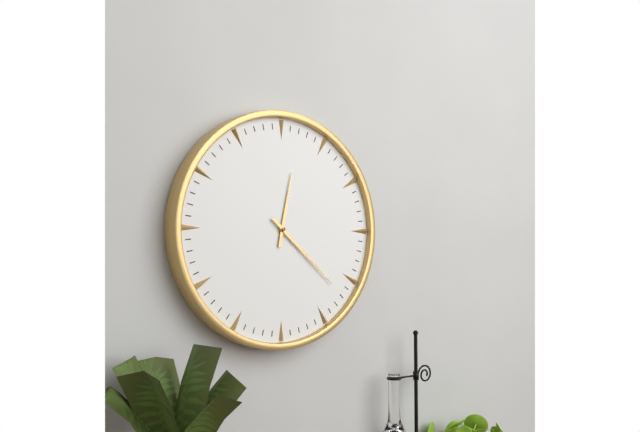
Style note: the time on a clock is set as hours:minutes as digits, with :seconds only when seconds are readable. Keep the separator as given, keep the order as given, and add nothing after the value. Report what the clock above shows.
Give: 12:22
